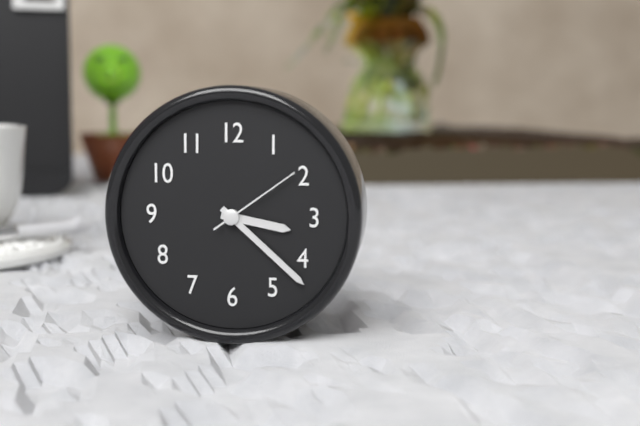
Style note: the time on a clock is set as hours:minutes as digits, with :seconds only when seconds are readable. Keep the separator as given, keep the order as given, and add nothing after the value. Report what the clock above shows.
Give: 3:22:09
